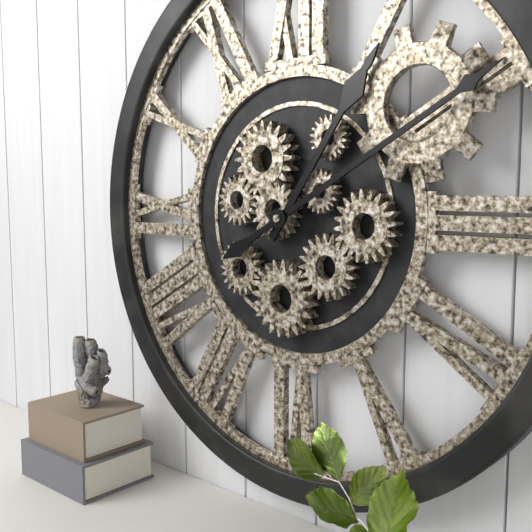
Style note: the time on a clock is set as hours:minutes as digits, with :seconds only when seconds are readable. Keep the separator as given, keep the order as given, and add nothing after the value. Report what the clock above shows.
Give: 1:10
